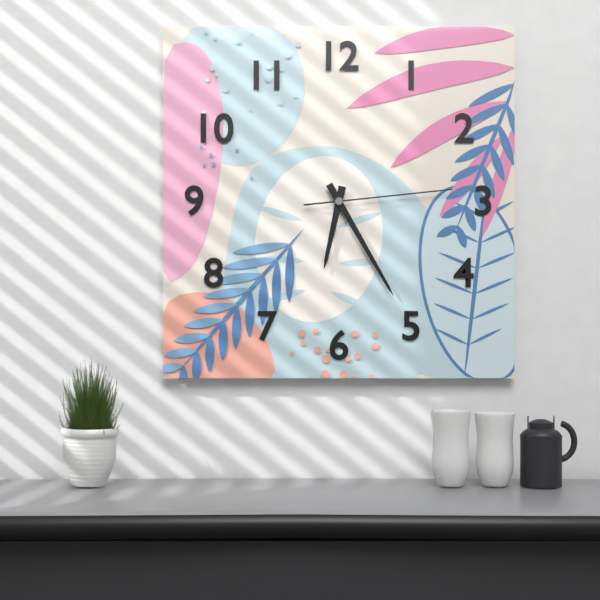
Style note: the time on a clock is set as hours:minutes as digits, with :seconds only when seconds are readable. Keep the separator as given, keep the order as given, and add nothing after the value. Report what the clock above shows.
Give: 6:25:14
